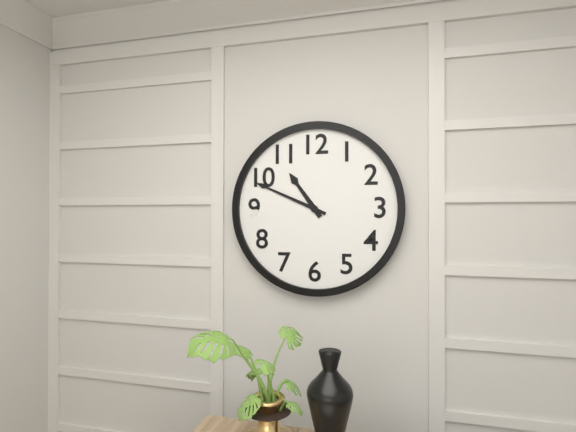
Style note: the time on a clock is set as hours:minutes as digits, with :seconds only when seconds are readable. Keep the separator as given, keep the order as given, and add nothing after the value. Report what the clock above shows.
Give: 10:49
